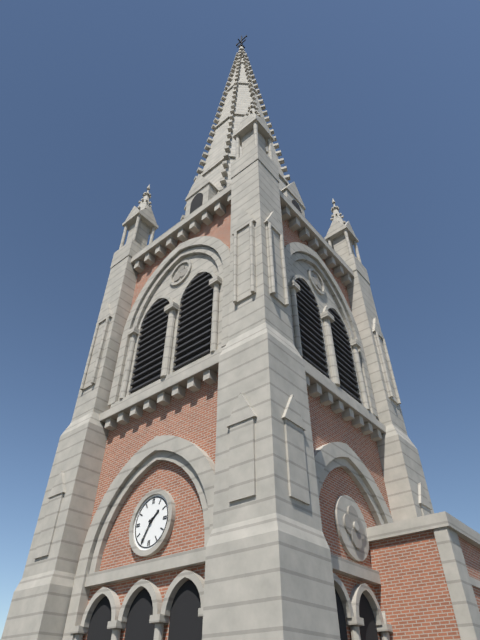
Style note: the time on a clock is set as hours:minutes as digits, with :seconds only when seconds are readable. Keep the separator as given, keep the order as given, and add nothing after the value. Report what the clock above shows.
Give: 1:35
